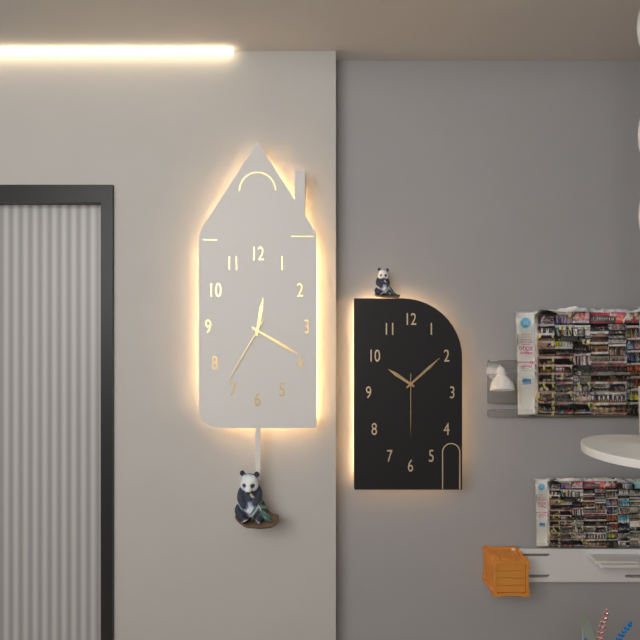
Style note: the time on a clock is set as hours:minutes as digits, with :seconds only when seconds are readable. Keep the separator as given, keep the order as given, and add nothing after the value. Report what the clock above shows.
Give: 12:20:35
